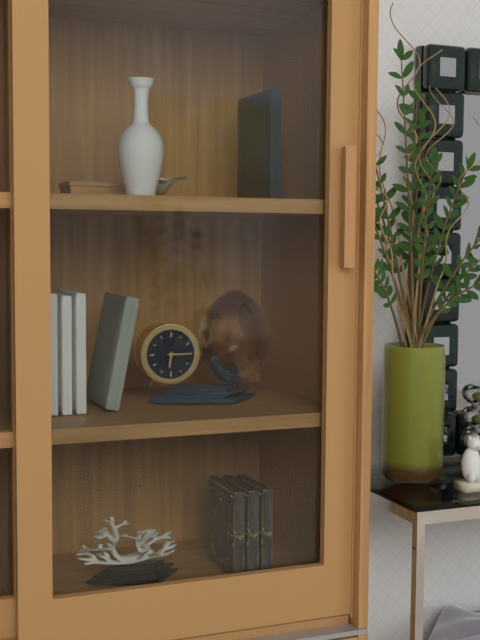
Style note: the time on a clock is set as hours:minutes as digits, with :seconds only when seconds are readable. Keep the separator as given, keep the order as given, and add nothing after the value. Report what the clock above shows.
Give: 6:15
